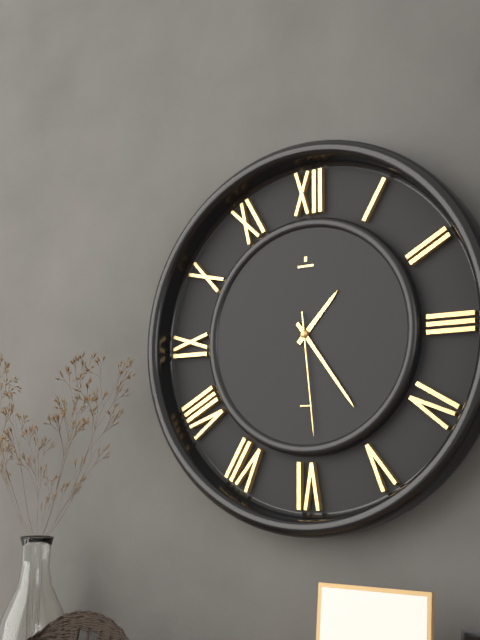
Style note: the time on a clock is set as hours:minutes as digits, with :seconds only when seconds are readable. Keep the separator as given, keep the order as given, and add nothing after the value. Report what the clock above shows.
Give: 1:24:29
